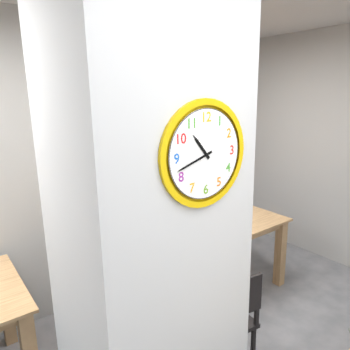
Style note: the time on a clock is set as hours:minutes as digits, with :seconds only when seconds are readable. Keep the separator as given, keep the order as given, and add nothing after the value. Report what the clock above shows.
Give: 10:42
